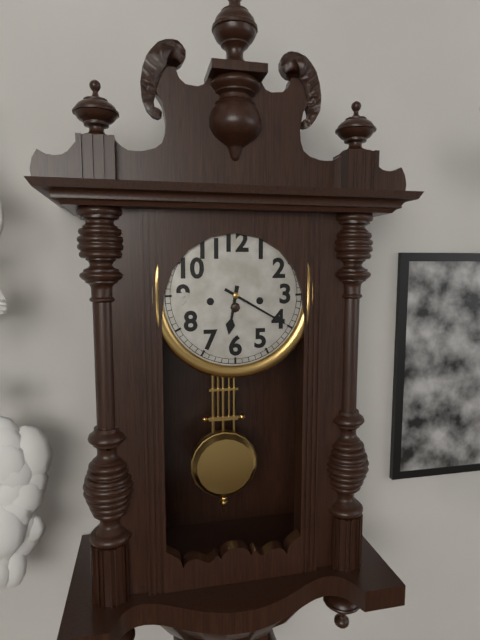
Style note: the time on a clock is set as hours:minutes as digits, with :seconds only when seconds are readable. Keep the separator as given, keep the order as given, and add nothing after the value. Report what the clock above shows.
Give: 6:20
